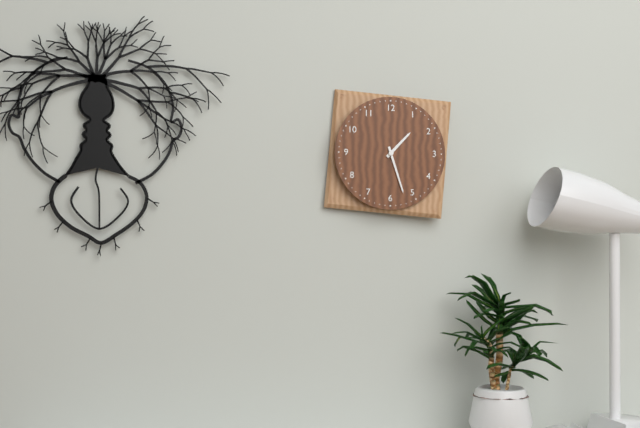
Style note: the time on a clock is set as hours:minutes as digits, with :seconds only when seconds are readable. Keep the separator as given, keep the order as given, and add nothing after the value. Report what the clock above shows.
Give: 1:27
